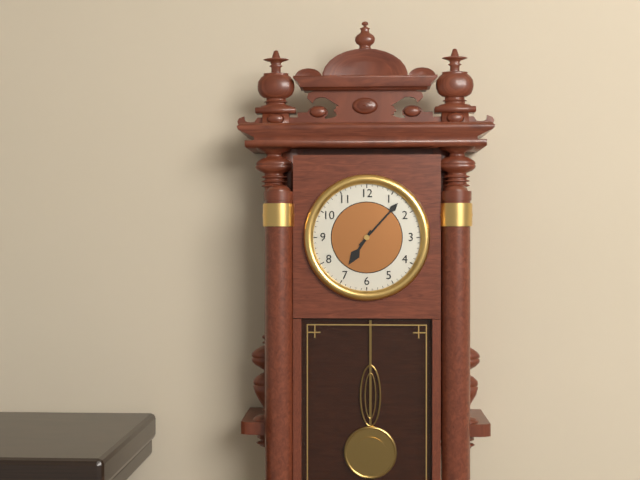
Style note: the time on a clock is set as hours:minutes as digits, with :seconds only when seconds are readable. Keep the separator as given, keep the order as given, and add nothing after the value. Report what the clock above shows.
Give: 7:07
